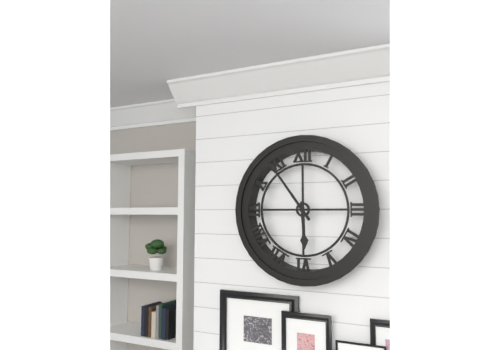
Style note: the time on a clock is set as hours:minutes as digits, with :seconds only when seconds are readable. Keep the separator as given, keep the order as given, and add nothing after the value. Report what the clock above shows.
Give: 5:54
